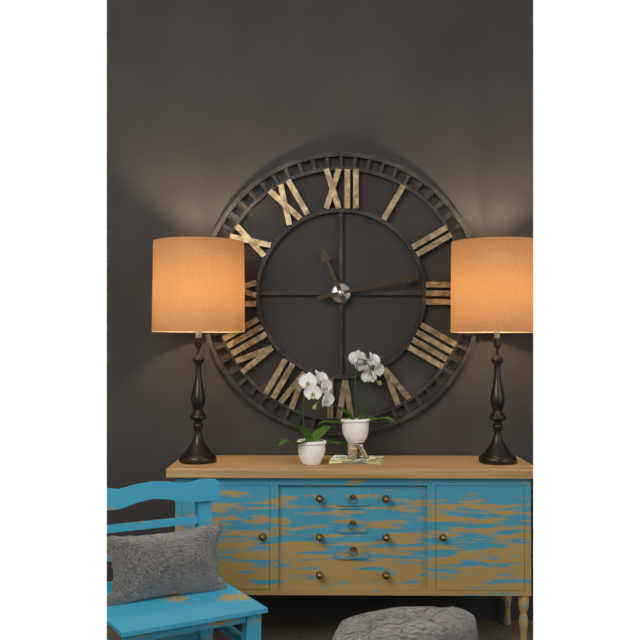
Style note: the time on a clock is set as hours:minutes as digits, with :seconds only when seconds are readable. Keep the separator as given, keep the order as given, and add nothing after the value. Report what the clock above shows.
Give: 11:13
